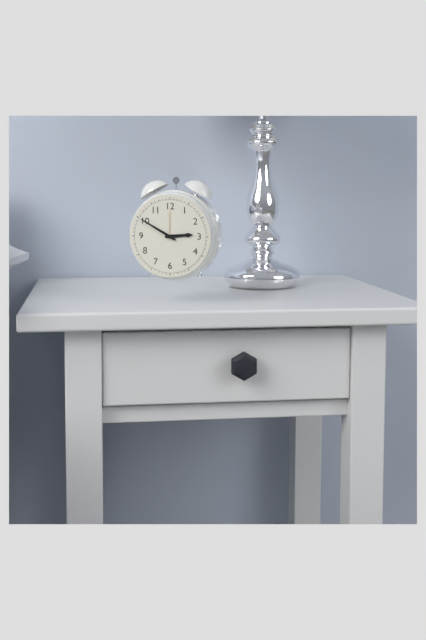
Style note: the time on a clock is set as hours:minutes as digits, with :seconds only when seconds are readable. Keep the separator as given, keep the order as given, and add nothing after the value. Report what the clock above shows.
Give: 2:50
